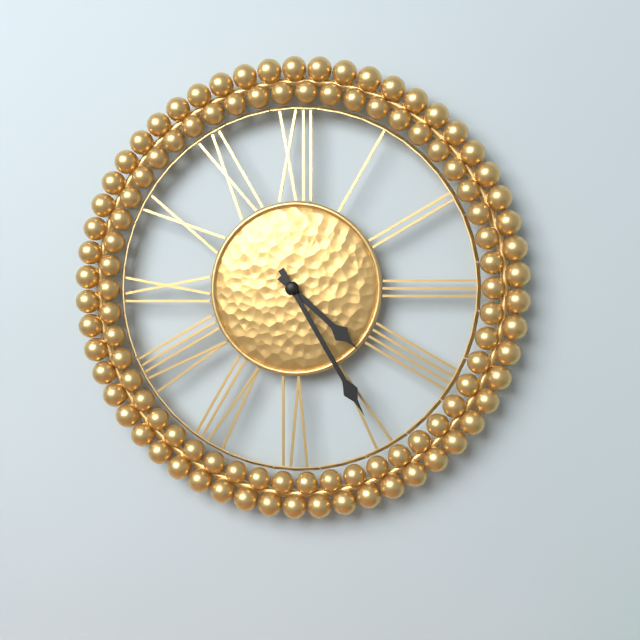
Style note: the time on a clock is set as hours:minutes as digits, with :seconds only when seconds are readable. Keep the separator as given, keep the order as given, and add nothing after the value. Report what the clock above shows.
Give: 4:25
